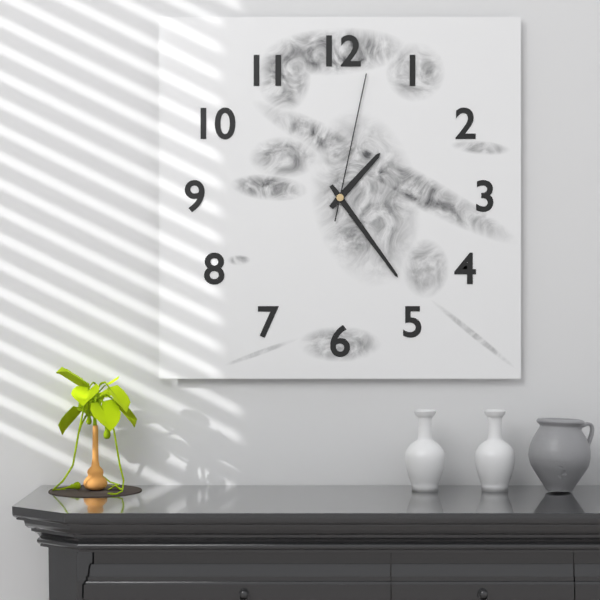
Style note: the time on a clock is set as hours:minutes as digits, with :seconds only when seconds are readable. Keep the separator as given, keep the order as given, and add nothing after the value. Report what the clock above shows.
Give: 1:24:02
